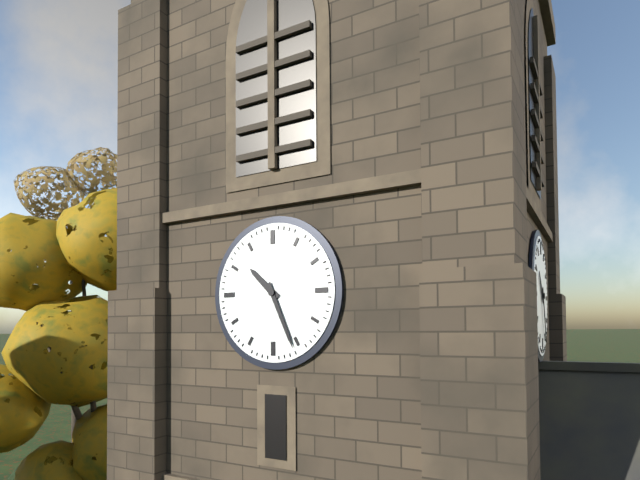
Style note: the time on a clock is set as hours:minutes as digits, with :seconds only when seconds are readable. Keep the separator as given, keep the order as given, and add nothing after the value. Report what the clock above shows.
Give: 10:26
